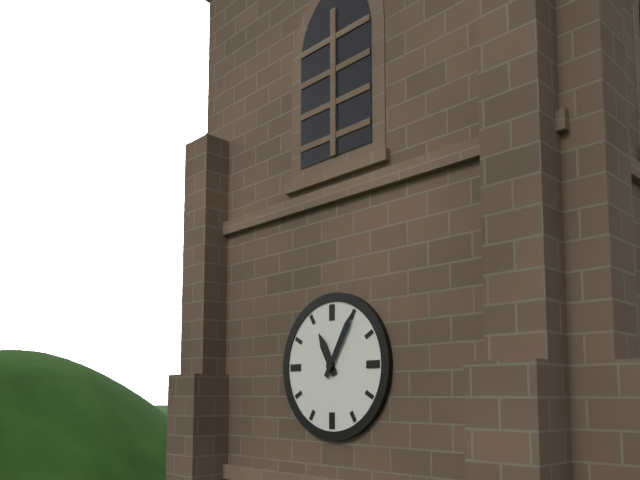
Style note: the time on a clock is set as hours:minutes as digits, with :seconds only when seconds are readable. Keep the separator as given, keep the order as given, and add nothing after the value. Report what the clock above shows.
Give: 11:05
